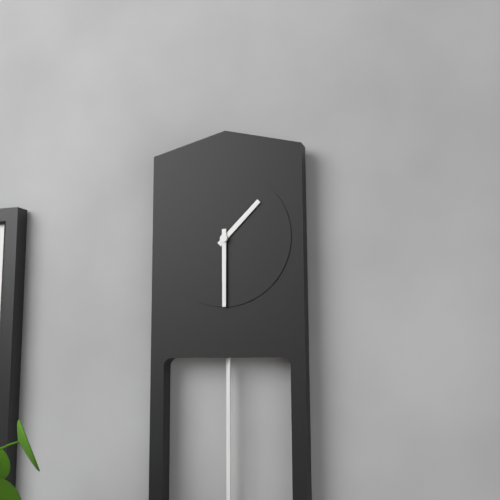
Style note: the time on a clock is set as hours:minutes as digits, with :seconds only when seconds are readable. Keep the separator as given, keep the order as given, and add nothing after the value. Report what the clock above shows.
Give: 1:30
